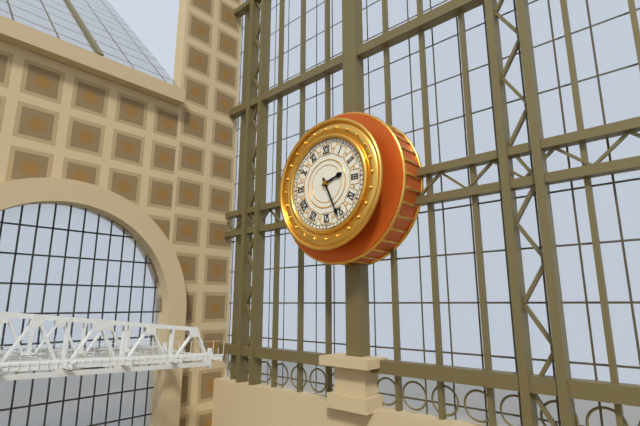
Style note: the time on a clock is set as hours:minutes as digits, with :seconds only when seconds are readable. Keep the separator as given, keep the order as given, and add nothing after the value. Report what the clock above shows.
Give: 2:26
